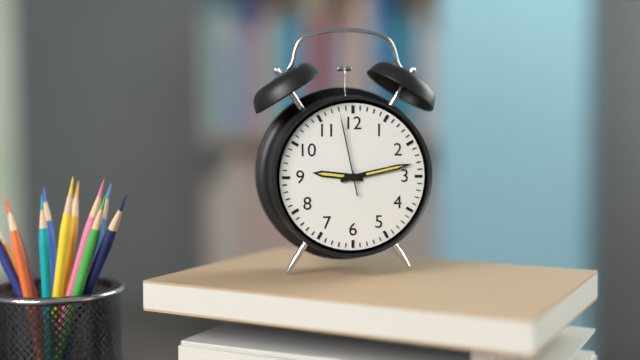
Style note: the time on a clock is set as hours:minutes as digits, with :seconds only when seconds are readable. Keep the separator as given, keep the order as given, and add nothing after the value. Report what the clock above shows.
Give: 9:13:58
